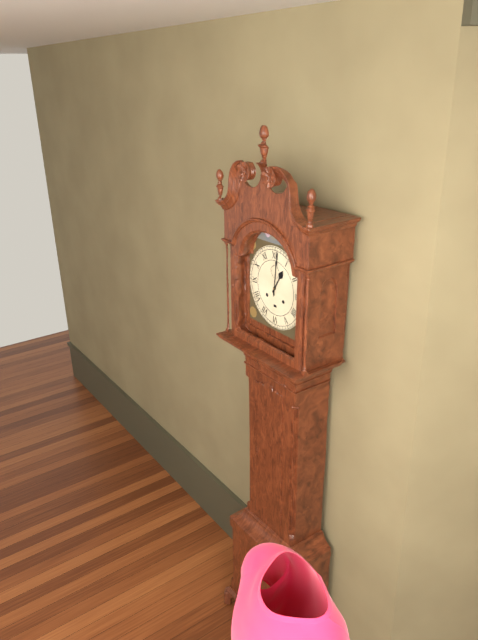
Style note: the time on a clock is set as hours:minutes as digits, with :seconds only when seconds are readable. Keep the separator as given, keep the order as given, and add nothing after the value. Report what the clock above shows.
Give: 1:01
